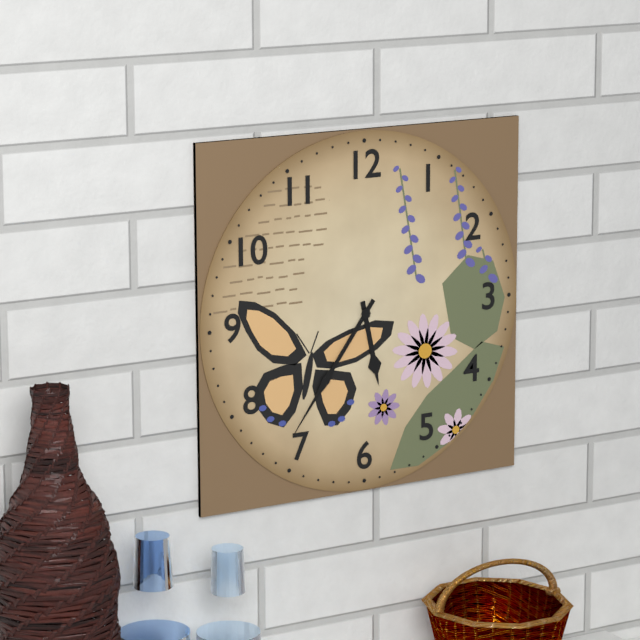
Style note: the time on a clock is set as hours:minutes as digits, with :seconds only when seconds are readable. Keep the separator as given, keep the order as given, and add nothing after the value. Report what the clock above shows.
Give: 5:36
